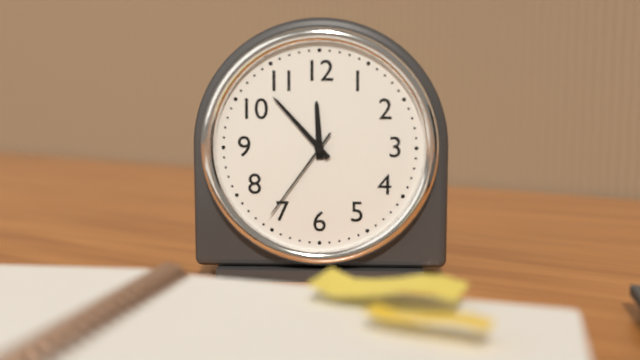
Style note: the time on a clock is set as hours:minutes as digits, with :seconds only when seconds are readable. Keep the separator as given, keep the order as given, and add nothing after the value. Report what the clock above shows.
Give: 11:53:36
